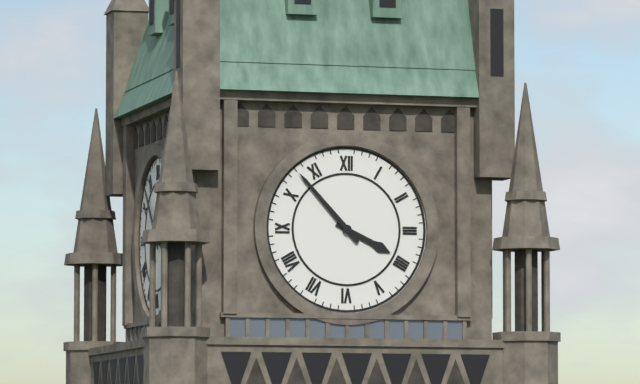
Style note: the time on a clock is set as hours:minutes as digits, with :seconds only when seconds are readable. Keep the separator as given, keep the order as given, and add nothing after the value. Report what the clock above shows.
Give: 3:53
